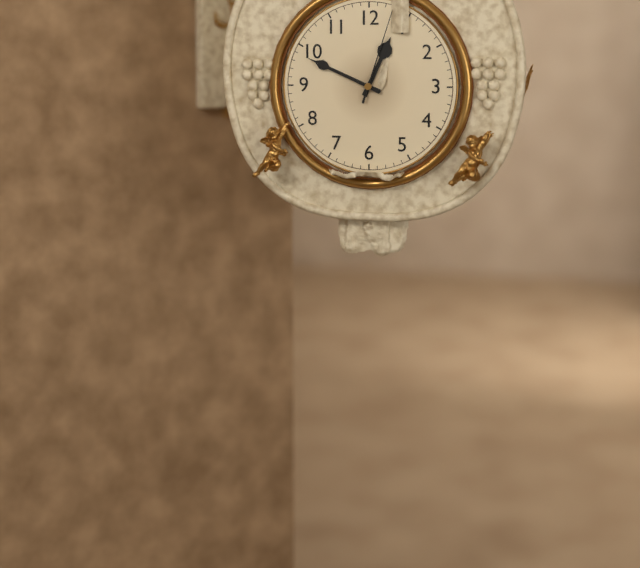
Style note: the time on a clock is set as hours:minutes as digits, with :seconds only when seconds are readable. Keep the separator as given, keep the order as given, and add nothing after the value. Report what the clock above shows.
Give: 12:49:03
